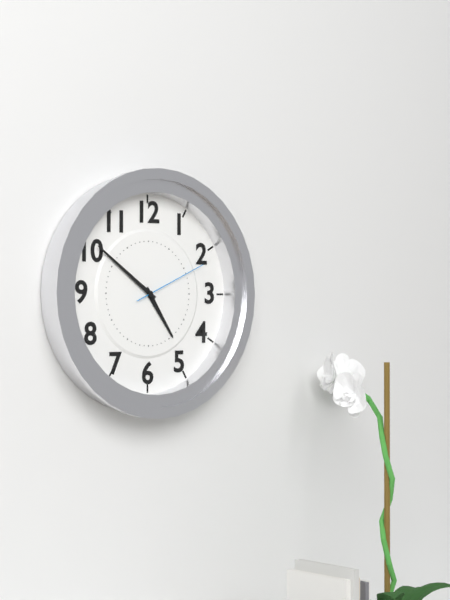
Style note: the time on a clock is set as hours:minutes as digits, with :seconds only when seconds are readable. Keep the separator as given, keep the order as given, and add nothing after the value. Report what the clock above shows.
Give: 4:51:11
